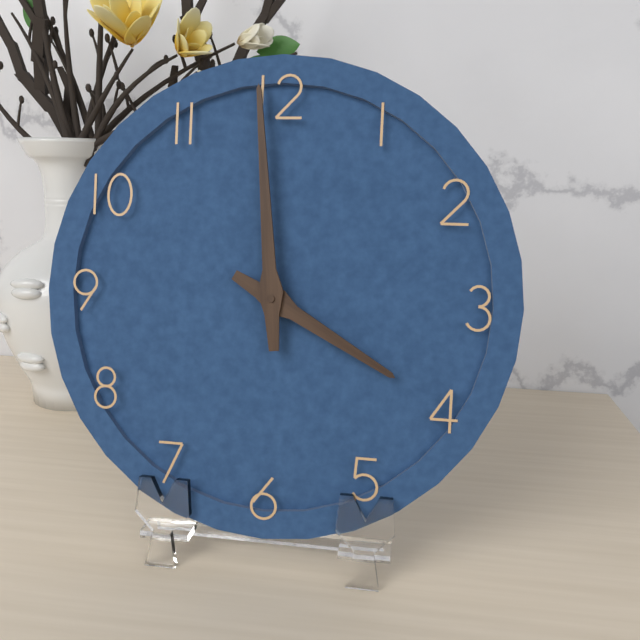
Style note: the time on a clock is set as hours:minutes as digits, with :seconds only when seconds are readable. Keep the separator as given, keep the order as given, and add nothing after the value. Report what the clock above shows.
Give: 3:59
